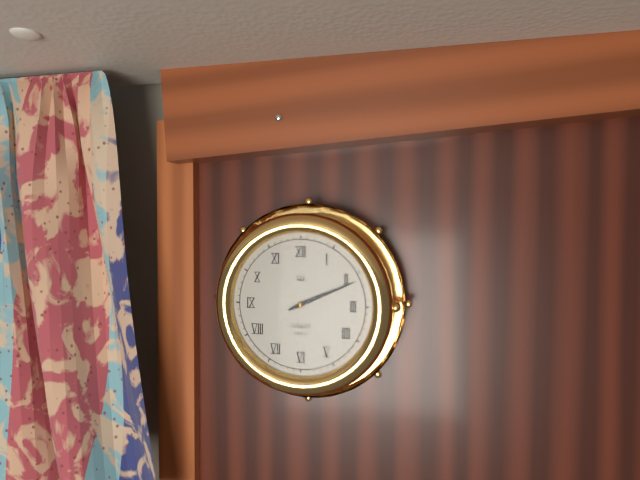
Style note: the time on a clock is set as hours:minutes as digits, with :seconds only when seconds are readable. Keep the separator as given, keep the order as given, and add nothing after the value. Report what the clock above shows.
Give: 2:11
